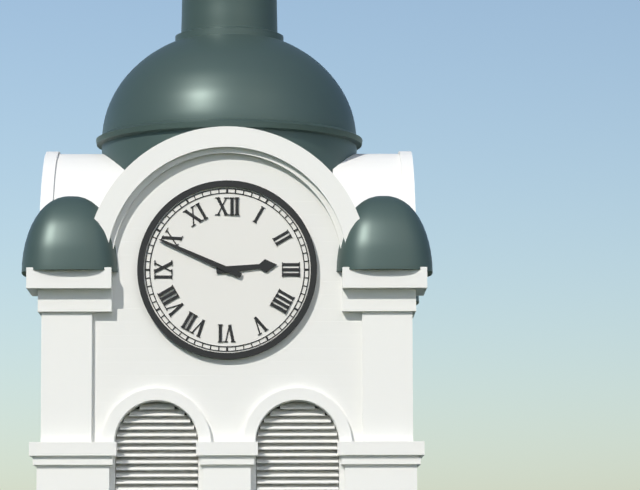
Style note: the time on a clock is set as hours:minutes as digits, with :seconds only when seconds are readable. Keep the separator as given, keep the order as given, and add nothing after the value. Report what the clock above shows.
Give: 2:49
